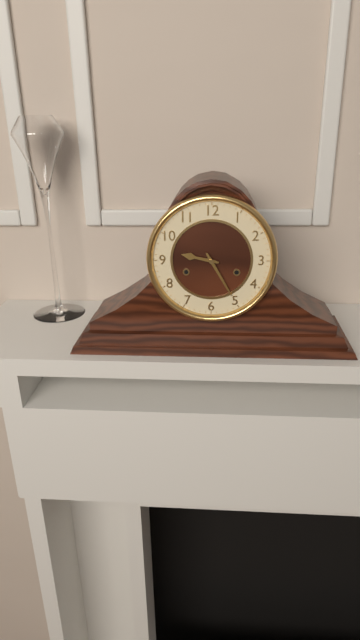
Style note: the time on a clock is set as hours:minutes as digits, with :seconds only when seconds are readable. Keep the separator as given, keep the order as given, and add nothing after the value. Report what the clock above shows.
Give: 9:25
